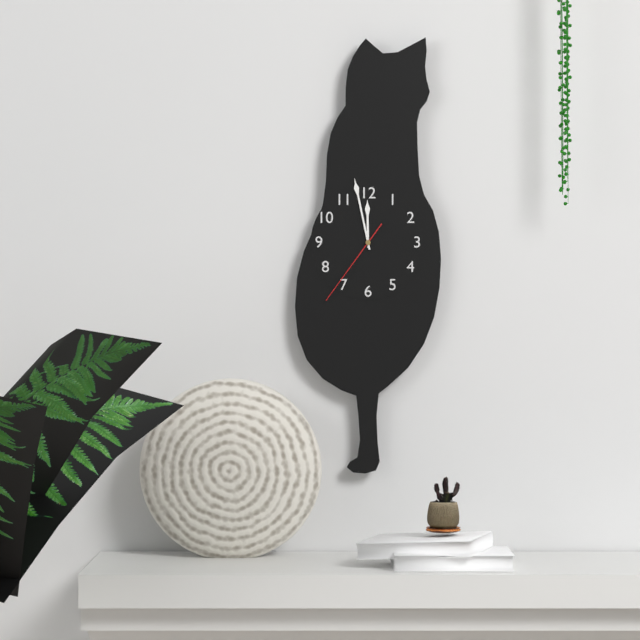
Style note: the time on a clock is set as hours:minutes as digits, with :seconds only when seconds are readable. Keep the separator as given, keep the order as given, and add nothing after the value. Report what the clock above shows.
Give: 11:58:36
